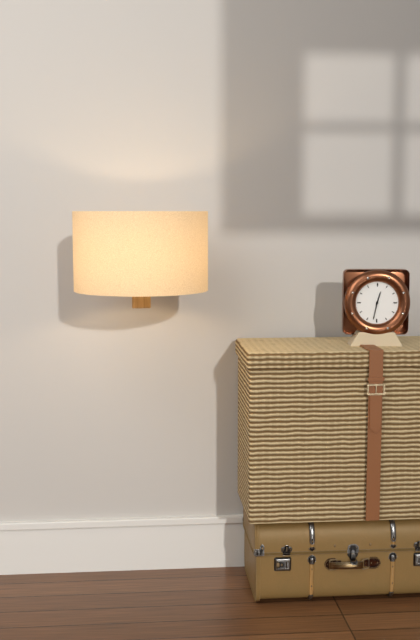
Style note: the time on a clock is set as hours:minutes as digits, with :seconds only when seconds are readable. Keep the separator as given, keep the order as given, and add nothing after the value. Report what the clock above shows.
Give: 12:32
